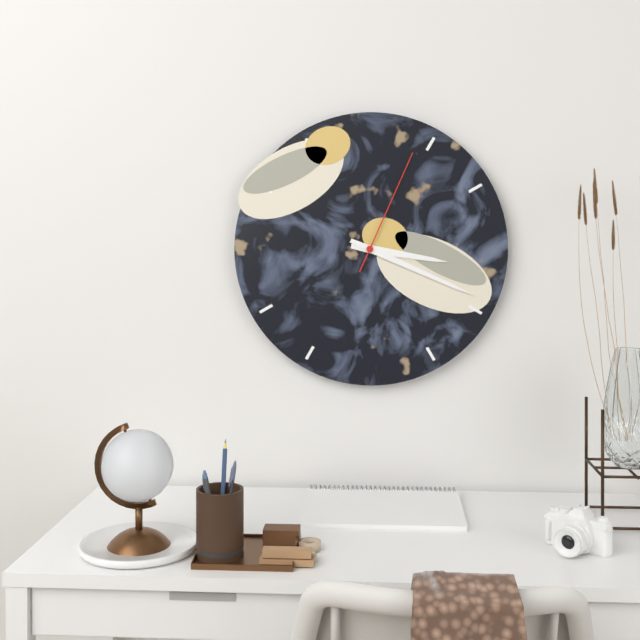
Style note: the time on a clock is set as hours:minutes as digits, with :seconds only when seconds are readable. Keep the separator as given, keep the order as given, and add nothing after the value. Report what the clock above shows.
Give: 3:19:04
